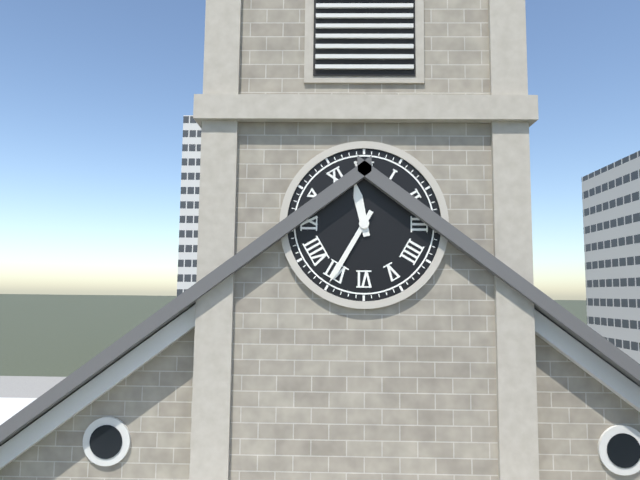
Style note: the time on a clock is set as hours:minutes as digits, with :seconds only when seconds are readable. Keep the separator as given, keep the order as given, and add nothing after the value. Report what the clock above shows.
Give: 11:35
